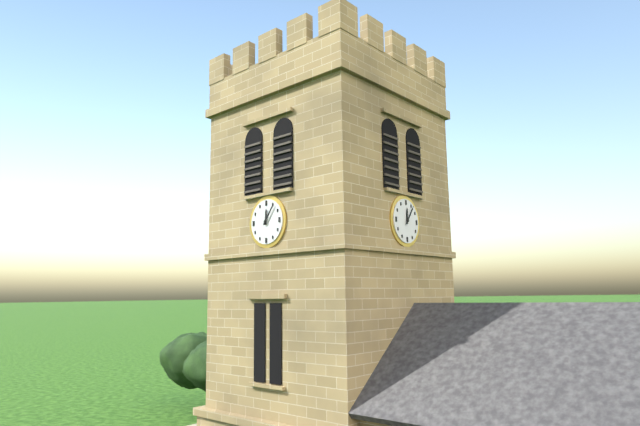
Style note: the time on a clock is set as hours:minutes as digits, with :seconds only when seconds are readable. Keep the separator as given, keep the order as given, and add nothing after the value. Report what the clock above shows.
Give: 12:06
